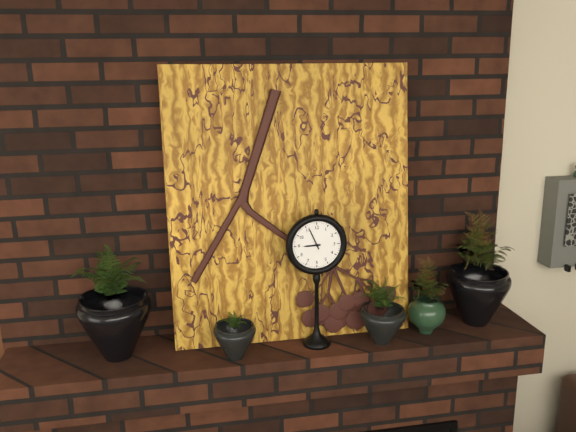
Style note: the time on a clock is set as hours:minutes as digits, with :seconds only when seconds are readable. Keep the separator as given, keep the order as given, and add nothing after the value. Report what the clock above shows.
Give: 8:56
